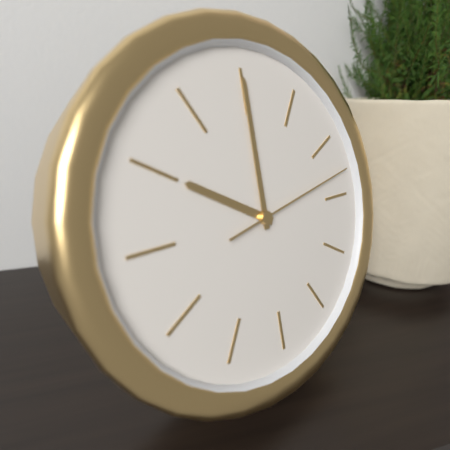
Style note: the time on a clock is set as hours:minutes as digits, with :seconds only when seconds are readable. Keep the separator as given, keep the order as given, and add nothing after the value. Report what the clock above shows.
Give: 10:00:13
